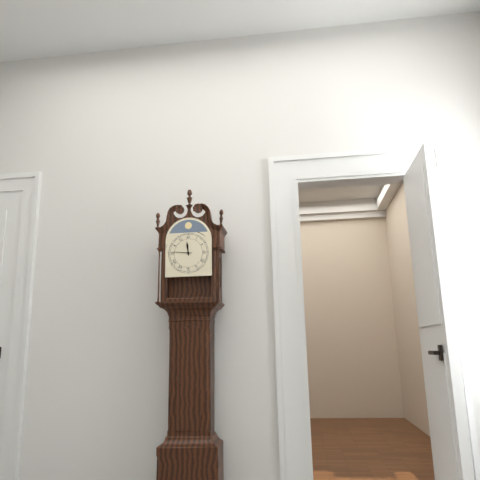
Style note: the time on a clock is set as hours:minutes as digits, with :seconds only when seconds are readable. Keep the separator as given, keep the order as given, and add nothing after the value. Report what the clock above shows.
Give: 11:46
